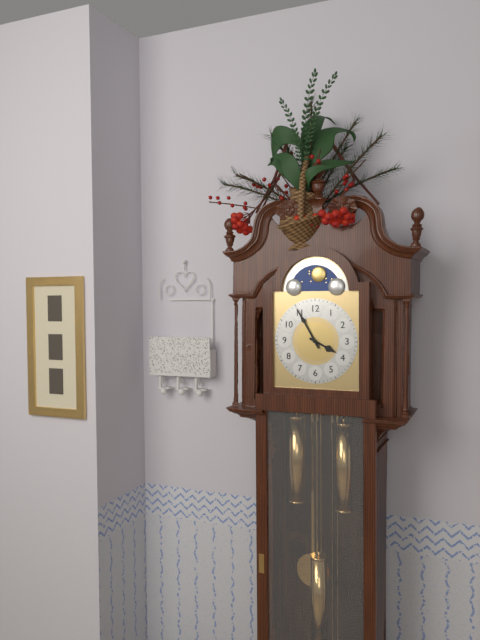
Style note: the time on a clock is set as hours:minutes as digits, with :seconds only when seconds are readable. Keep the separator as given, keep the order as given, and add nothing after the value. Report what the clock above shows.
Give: 3:55
